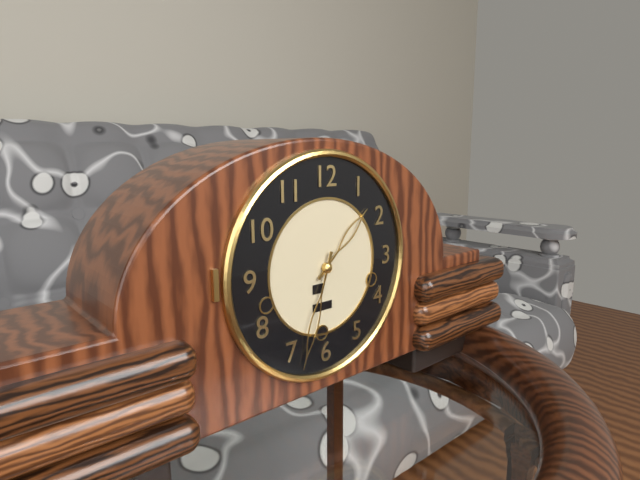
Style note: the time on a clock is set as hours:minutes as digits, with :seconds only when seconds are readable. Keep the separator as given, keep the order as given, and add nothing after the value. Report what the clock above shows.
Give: 1:33
